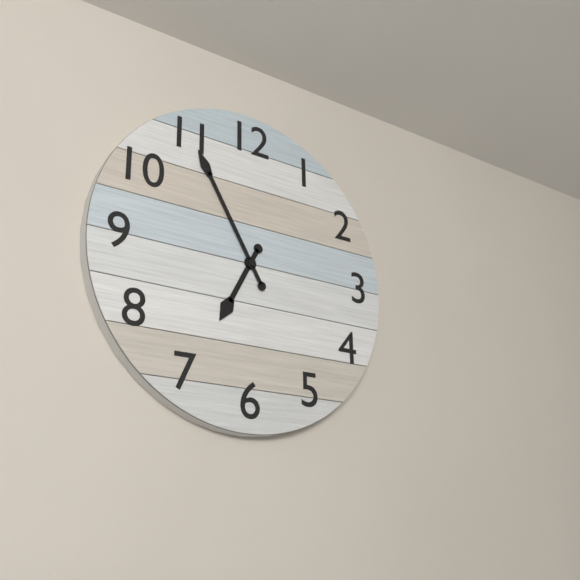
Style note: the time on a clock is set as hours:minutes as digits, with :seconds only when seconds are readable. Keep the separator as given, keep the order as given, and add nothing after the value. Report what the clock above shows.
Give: 6:55
